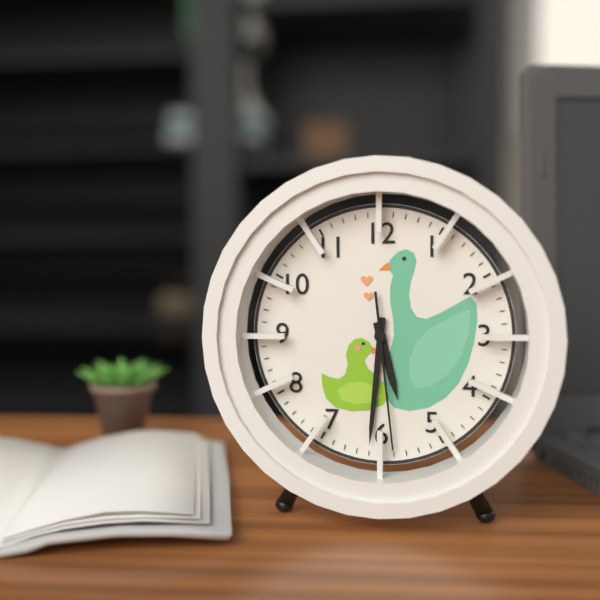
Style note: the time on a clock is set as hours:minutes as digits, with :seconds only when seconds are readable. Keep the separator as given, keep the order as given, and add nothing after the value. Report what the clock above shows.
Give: 5:31:29
